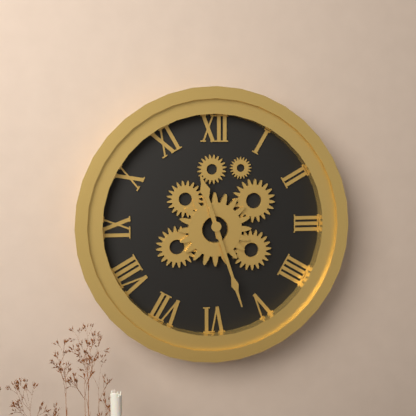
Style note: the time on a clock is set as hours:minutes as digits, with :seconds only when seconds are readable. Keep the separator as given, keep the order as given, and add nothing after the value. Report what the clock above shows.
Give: 11:27
